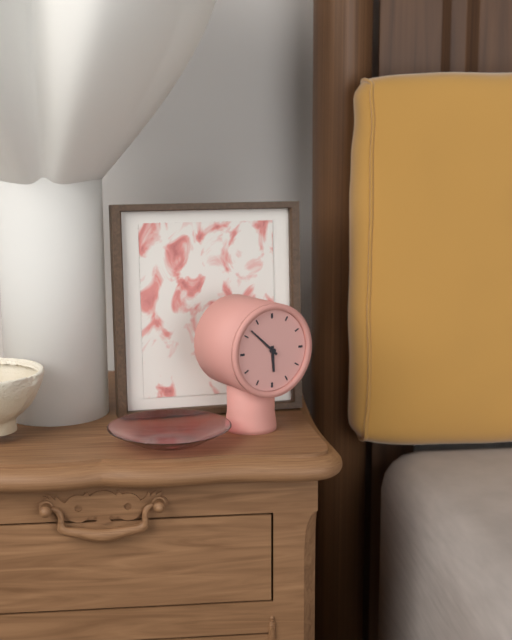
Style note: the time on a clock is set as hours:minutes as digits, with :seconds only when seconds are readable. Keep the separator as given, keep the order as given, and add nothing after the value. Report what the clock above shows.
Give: 5:52
